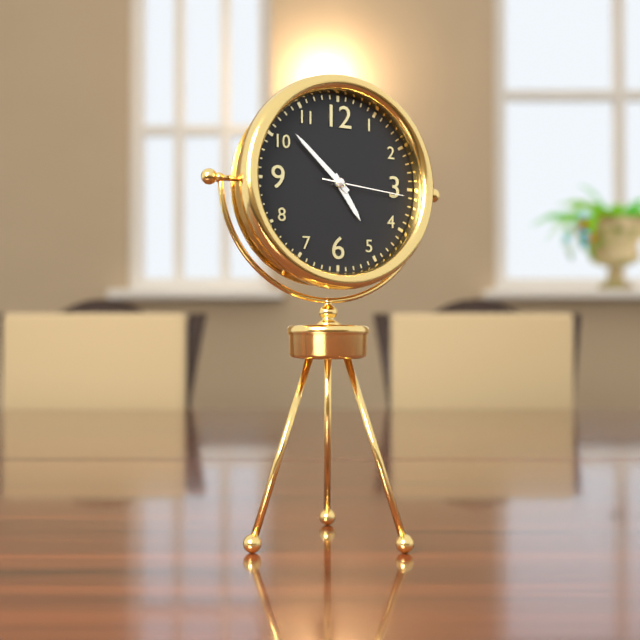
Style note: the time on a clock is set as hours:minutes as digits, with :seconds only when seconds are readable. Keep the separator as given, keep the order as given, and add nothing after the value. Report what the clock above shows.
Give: 4:52:16
